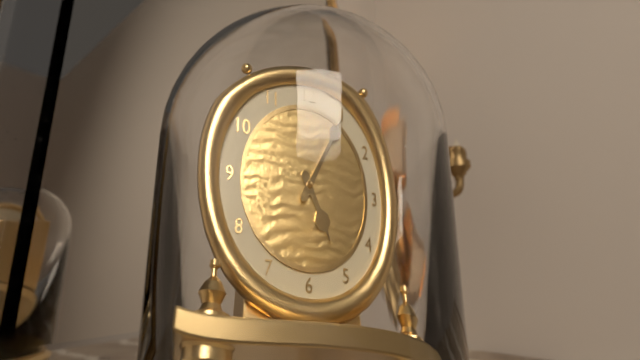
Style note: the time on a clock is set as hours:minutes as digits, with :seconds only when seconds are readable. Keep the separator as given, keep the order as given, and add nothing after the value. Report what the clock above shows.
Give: 5:05
